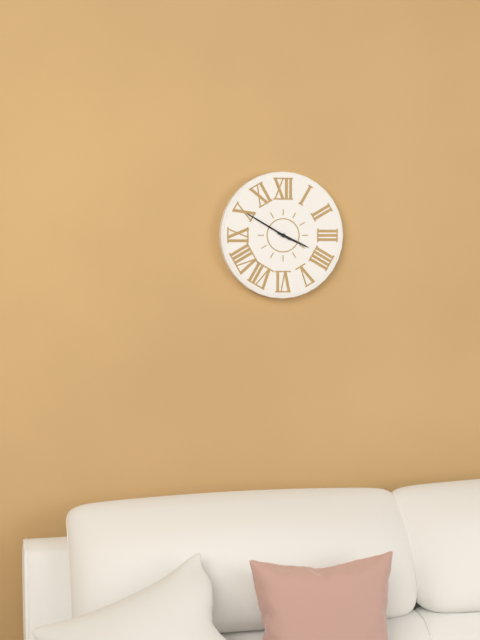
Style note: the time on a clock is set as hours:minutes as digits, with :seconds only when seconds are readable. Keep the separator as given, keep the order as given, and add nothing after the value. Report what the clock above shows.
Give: 3:50
